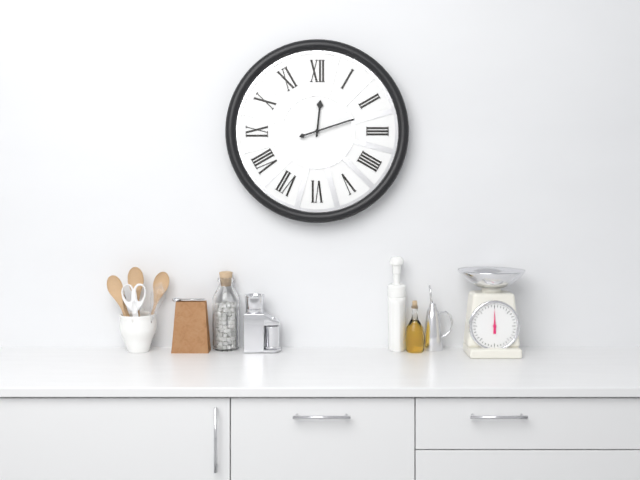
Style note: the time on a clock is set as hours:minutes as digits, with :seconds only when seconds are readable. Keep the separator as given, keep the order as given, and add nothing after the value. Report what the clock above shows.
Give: 12:12
